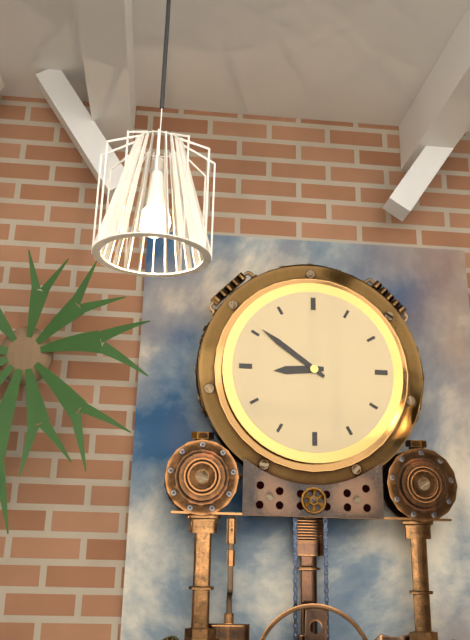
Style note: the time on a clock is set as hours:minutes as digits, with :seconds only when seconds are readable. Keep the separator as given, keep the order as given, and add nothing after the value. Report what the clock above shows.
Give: 8:51
